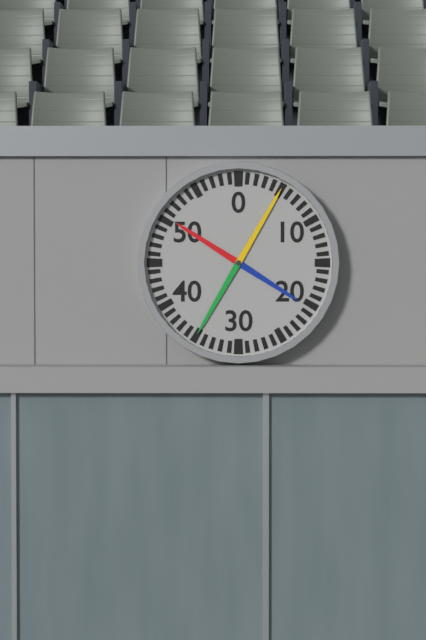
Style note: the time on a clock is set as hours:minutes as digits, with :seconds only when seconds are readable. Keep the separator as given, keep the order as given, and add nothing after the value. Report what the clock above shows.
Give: 10:05
